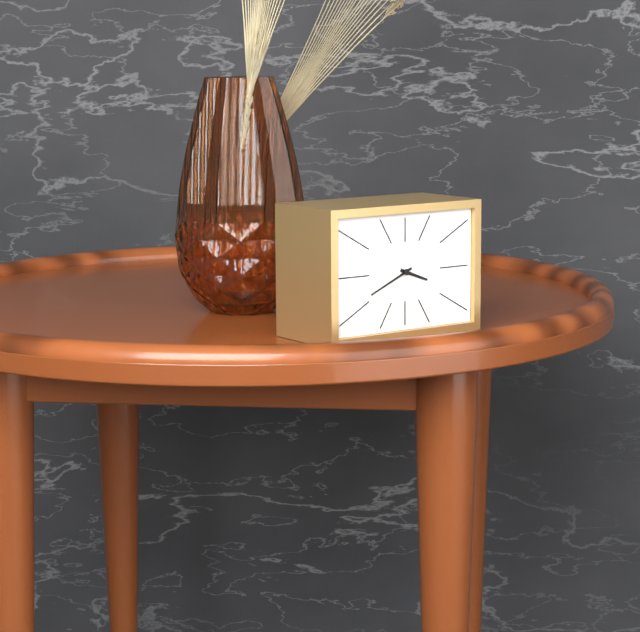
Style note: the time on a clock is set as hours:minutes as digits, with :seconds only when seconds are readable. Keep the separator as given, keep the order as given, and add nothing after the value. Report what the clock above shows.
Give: 3:41
